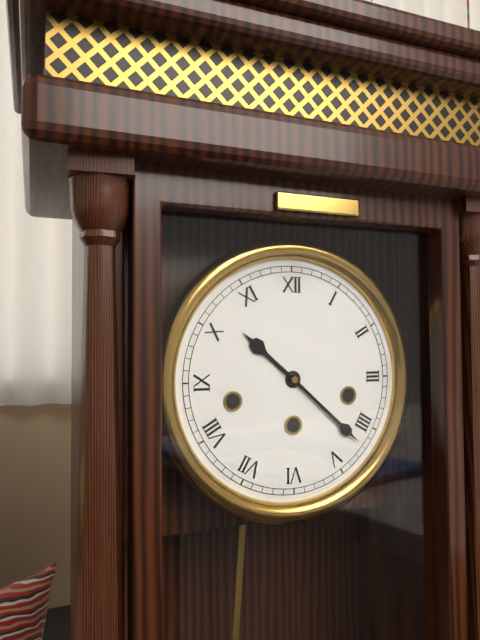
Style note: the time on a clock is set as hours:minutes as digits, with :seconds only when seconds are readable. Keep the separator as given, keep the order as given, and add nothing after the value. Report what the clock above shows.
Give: 10:22
